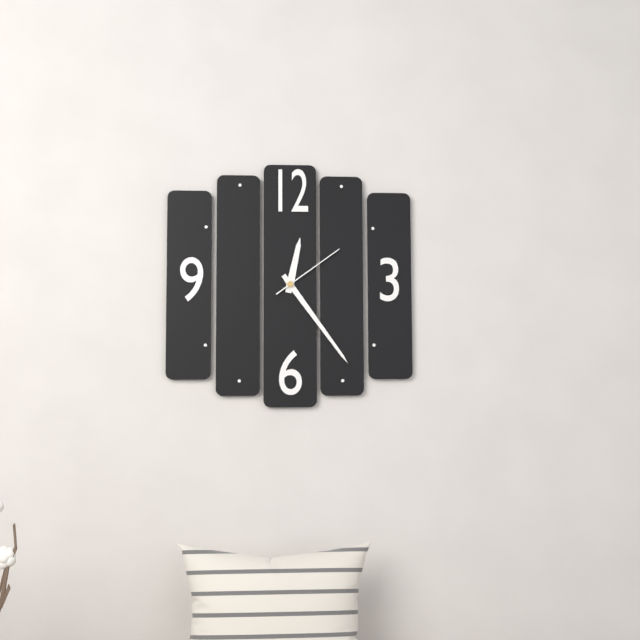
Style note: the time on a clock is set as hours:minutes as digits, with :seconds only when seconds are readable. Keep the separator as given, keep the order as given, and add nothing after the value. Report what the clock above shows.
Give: 12:24:09
